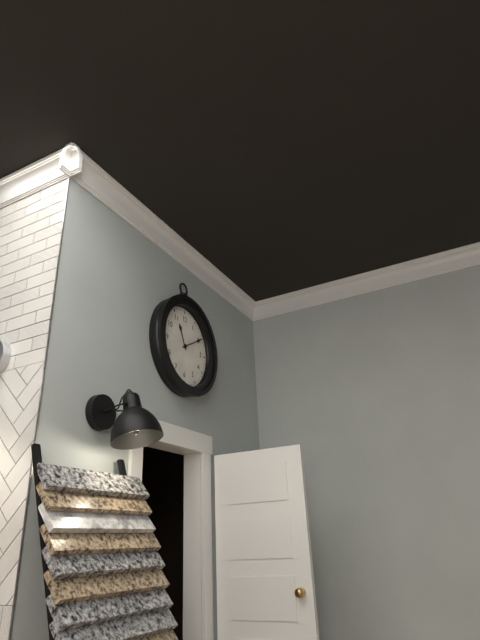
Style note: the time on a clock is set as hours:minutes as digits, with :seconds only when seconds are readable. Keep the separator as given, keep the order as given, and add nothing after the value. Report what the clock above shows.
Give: 11:10
